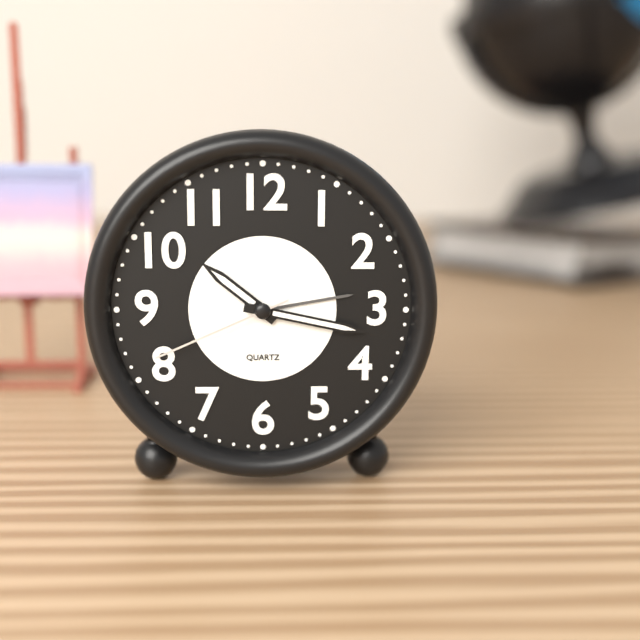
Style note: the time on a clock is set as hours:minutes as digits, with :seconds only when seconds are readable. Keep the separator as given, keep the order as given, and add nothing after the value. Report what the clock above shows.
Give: 10:17:41
